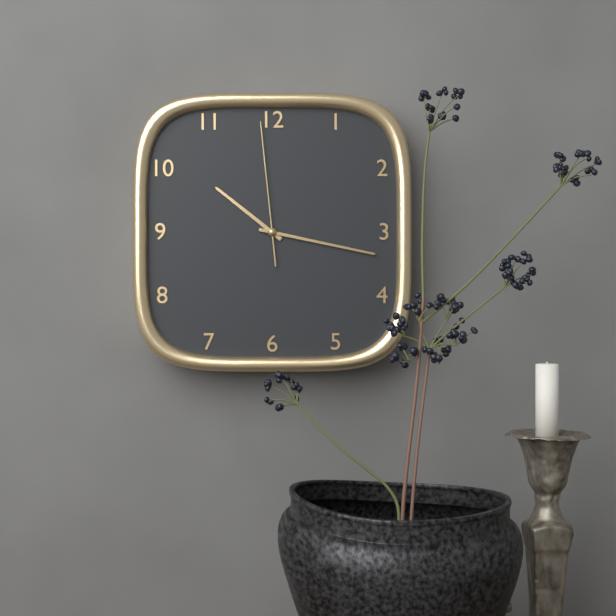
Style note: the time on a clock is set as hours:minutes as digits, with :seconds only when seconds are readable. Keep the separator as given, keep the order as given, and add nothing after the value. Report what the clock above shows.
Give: 10:17:59
